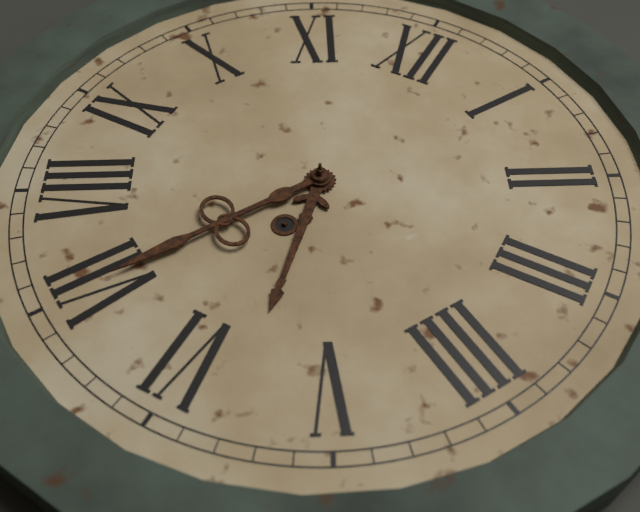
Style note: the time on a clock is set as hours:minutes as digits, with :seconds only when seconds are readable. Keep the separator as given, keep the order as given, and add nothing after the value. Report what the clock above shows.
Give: 5:35
